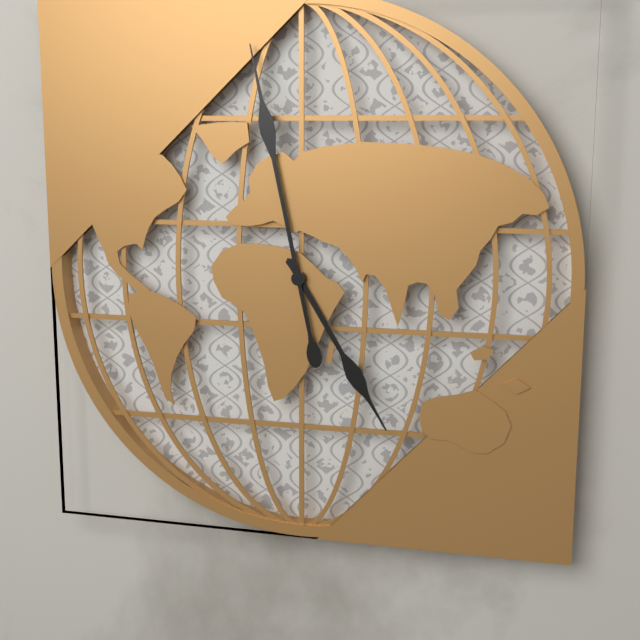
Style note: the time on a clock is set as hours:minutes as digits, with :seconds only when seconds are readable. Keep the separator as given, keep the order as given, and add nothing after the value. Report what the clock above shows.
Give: 4:58
